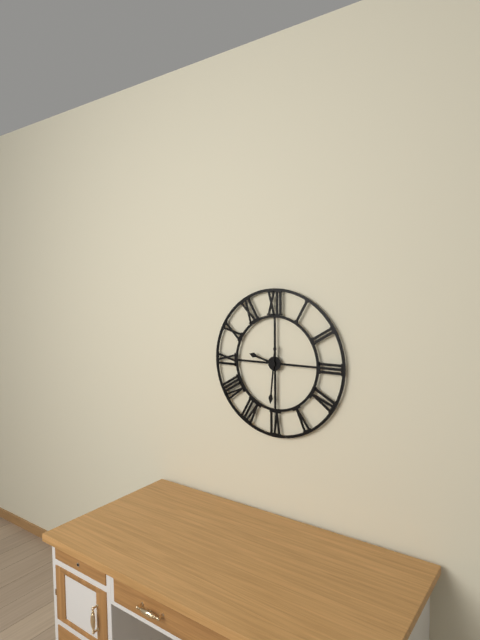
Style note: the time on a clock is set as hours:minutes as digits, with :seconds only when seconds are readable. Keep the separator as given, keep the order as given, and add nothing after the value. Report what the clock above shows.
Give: 9:31
